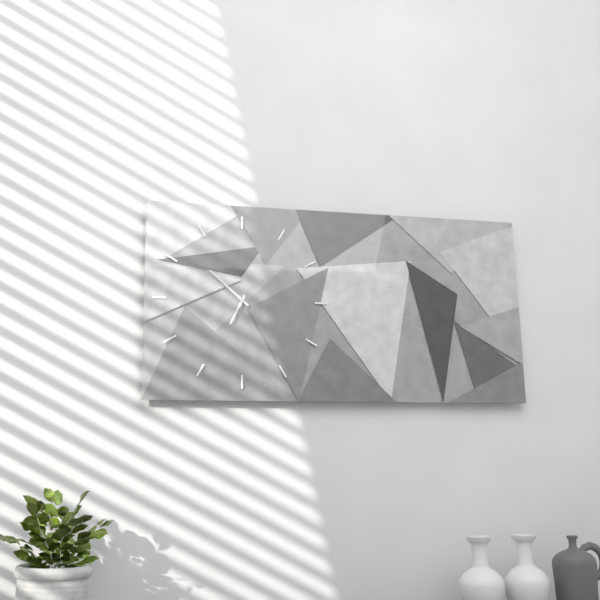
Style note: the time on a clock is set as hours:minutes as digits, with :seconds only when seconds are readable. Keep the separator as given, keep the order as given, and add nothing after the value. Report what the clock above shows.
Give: 6:52
